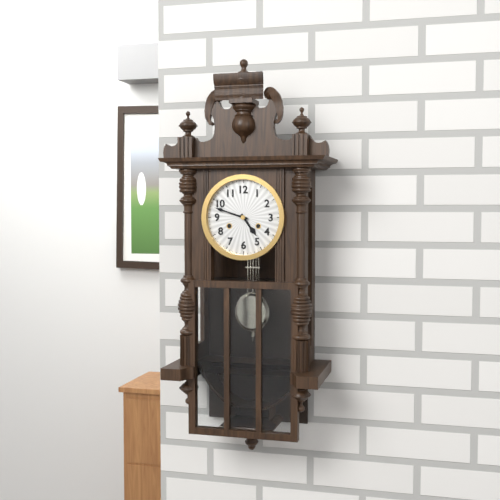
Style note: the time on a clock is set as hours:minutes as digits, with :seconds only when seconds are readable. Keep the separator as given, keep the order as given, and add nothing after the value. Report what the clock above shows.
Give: 4:48
